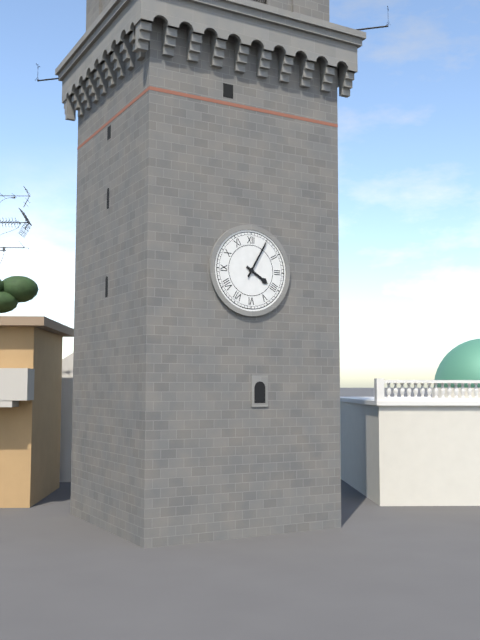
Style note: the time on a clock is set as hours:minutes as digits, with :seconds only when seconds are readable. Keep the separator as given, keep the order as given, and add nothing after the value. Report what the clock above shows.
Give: 4:05
